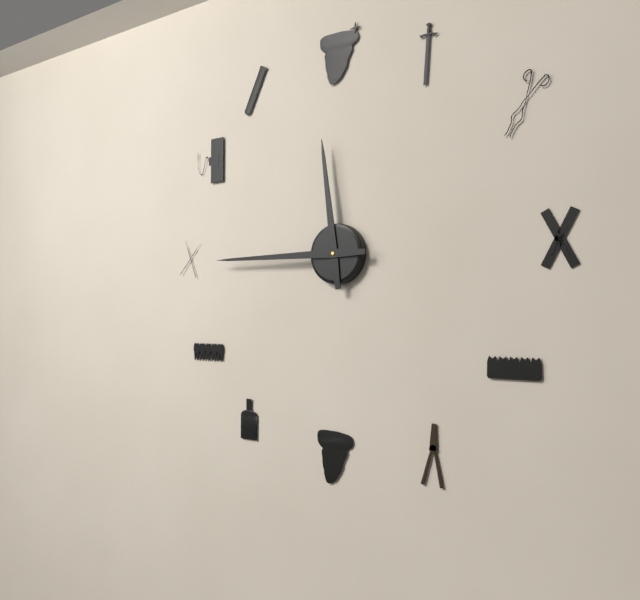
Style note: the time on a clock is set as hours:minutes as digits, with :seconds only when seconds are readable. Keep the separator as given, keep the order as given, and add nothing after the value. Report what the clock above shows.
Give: 11:45
